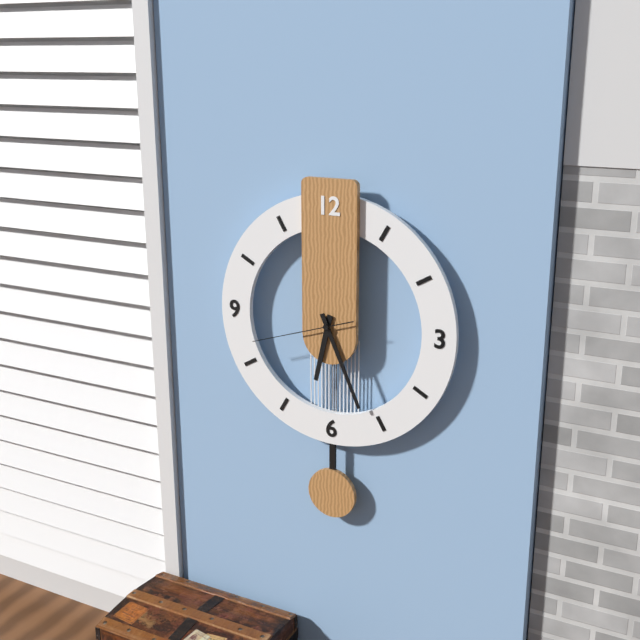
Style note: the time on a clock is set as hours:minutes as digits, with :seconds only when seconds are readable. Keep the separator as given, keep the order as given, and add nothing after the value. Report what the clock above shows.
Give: 6:26:42
